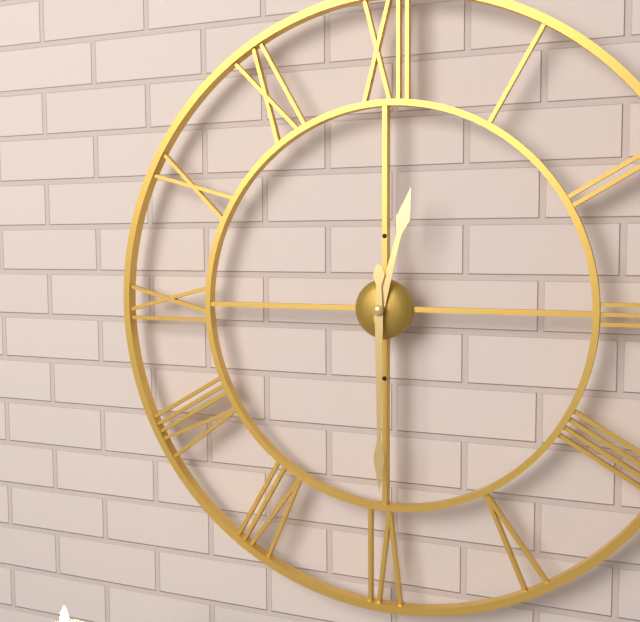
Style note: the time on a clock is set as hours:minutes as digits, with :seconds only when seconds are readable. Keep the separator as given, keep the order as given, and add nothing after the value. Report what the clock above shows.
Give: 12:30
